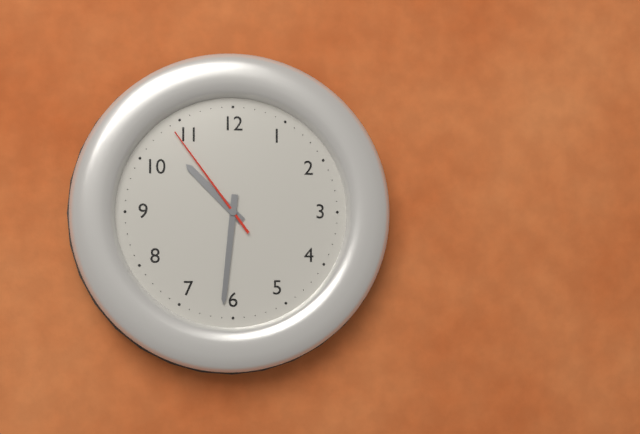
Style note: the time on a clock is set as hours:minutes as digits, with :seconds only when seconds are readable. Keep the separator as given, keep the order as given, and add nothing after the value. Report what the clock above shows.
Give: 10:31:54
